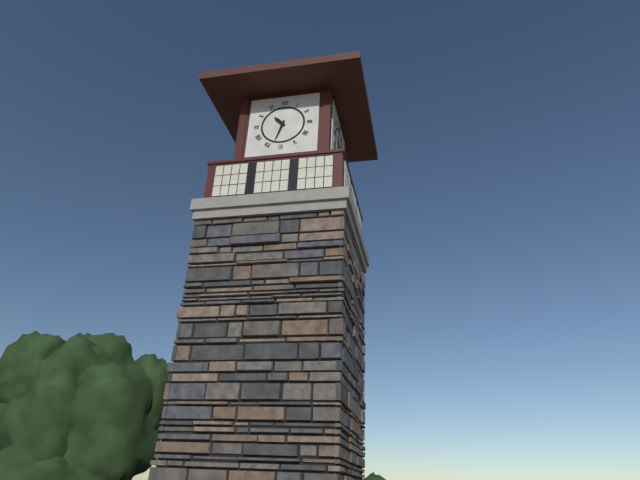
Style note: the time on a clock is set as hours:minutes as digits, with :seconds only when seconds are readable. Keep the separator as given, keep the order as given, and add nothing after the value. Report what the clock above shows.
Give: 10:33
